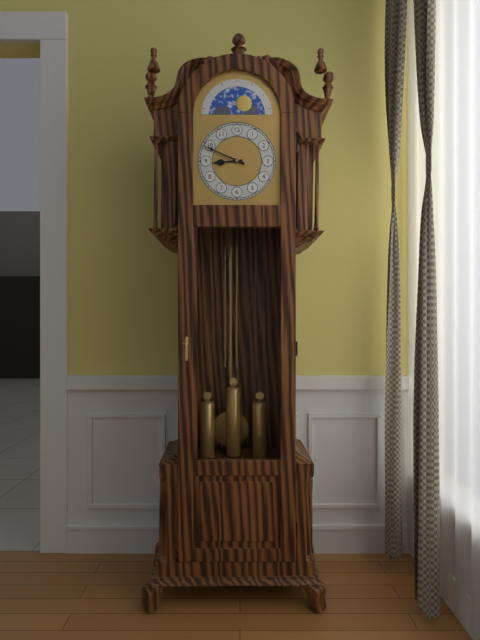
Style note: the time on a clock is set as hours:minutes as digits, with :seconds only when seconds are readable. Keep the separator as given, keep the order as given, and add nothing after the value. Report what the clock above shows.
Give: 8:49
